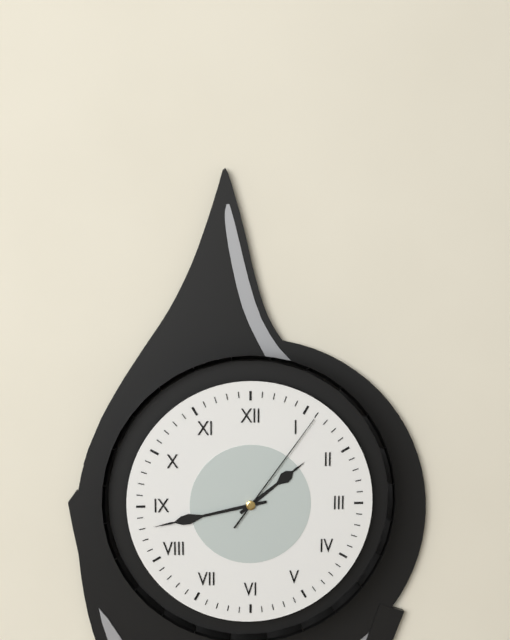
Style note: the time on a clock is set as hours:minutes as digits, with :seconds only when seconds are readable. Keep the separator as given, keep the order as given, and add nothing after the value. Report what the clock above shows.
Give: 1:43:06
